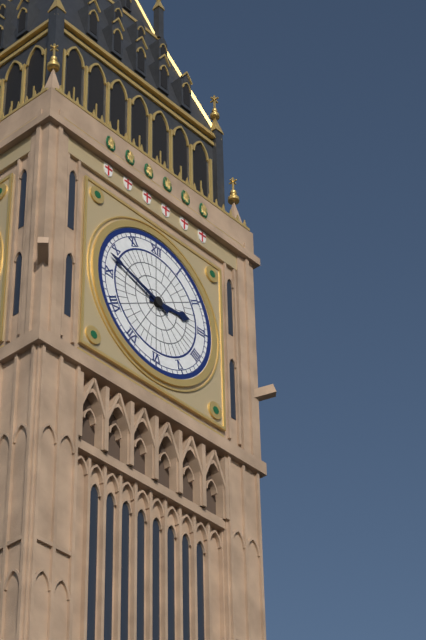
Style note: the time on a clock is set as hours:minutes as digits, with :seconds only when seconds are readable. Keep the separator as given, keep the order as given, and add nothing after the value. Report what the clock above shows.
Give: 2:48
